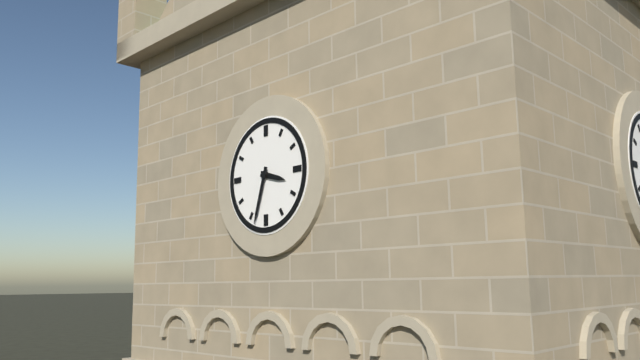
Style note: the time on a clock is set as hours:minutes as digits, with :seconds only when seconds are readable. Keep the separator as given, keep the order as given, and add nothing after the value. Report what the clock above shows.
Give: 3:33
